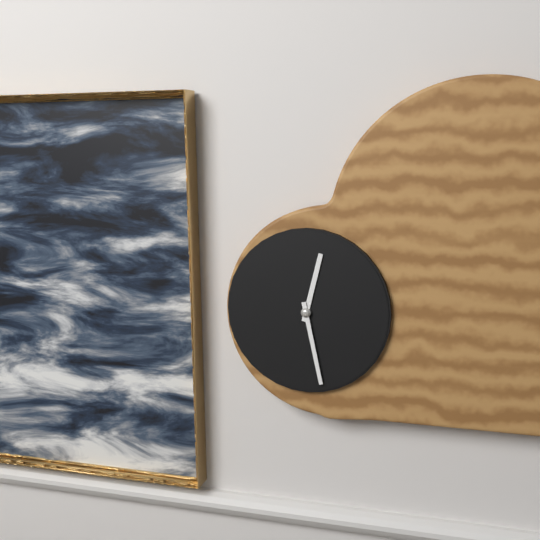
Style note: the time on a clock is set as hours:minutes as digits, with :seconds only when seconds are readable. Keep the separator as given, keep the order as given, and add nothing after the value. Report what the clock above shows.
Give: 12:28
